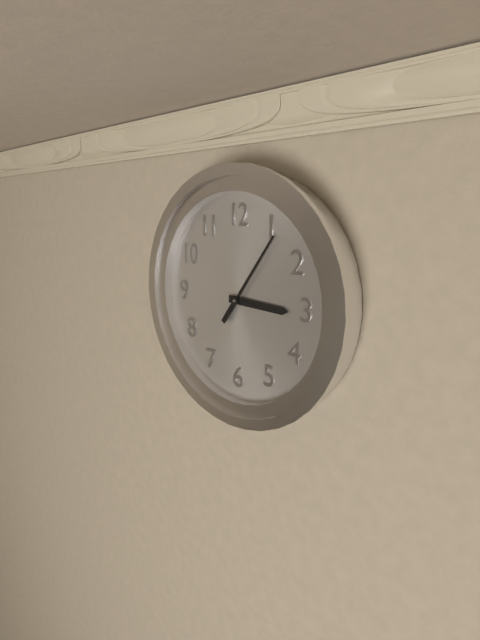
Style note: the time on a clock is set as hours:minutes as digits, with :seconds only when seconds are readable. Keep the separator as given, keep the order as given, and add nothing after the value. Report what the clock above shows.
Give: 3:06
